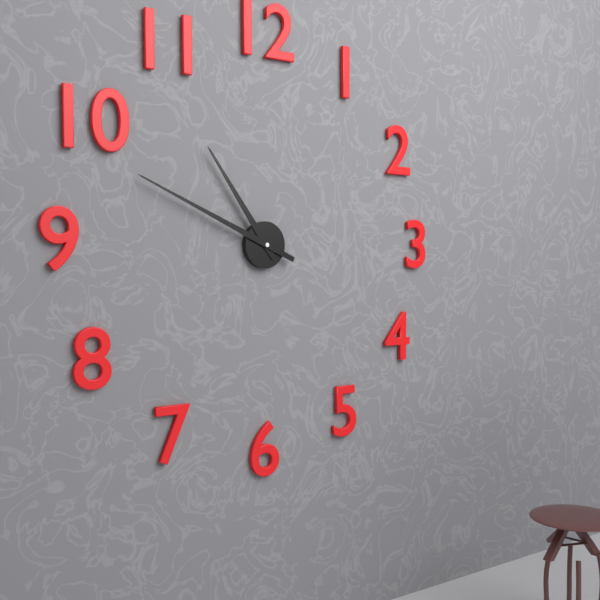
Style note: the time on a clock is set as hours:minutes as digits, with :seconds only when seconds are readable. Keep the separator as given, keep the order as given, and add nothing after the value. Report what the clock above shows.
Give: 10:49
